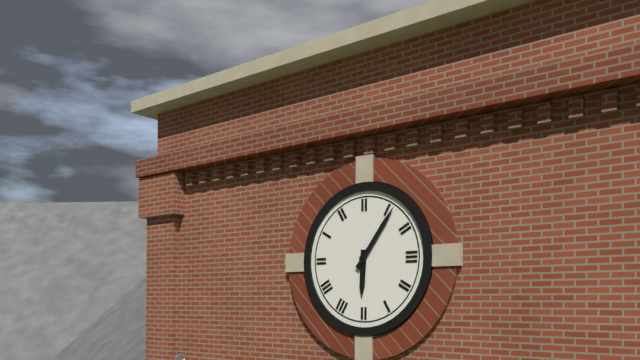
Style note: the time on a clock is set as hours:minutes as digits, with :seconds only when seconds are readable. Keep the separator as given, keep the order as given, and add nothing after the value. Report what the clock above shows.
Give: 6:06
